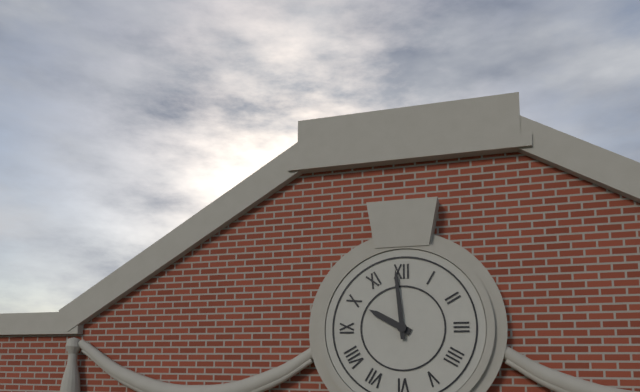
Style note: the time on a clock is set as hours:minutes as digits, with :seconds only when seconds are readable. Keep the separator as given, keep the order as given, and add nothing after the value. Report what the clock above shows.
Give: 9:59
